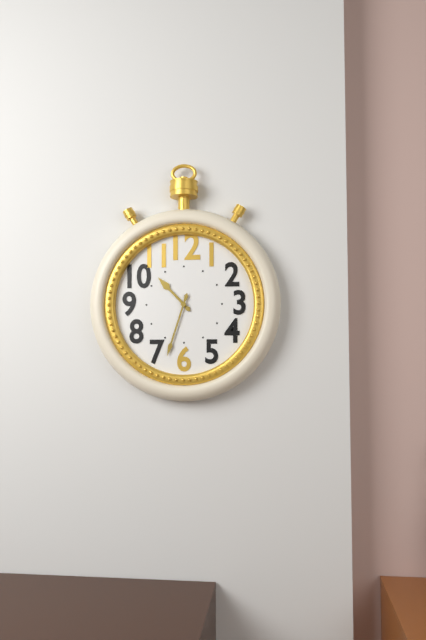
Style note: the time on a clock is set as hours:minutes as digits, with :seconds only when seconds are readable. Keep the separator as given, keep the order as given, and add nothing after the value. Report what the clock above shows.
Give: 10:33
